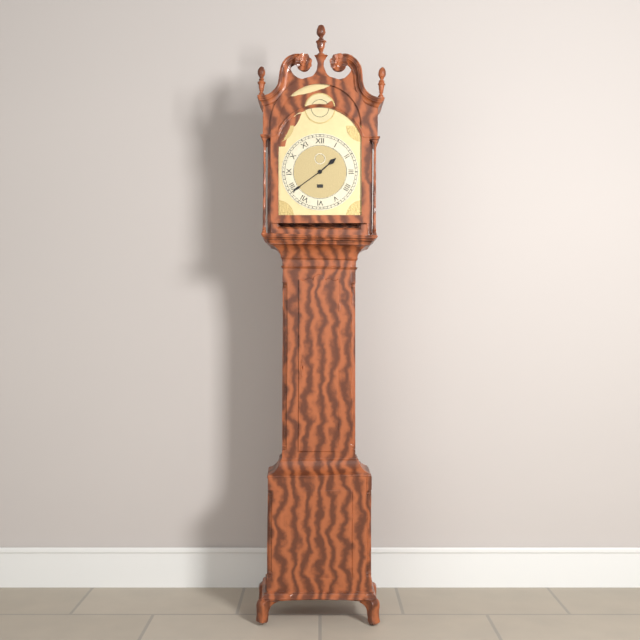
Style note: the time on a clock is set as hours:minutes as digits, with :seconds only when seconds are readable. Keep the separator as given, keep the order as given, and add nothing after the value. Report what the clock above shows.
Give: 1:39
